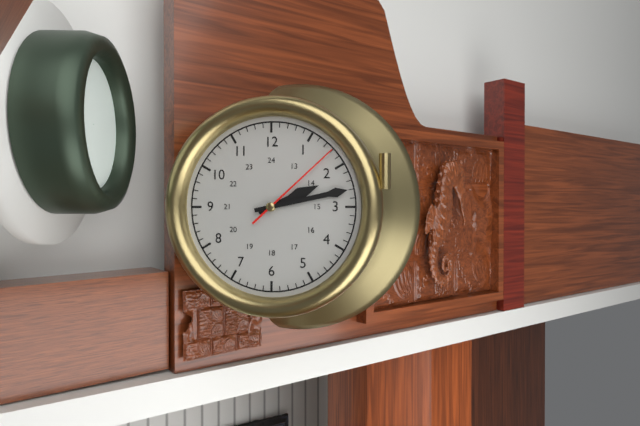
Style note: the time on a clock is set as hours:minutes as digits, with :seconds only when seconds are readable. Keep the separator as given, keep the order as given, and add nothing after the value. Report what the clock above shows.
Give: 2:13:08
